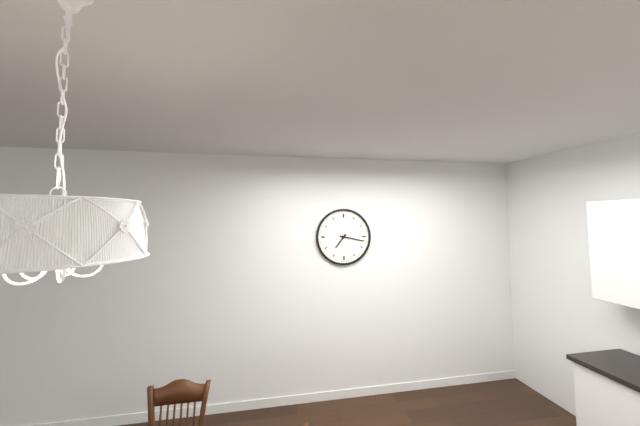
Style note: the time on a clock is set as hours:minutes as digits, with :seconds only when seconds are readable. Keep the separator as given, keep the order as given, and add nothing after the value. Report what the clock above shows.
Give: 7:17
